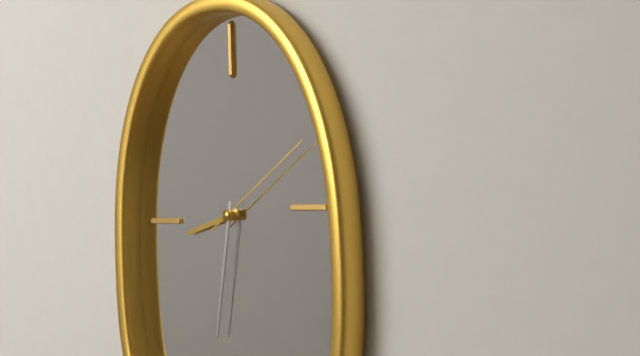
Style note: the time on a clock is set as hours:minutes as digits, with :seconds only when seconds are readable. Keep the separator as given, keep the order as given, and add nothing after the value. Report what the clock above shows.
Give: 8:32:10
